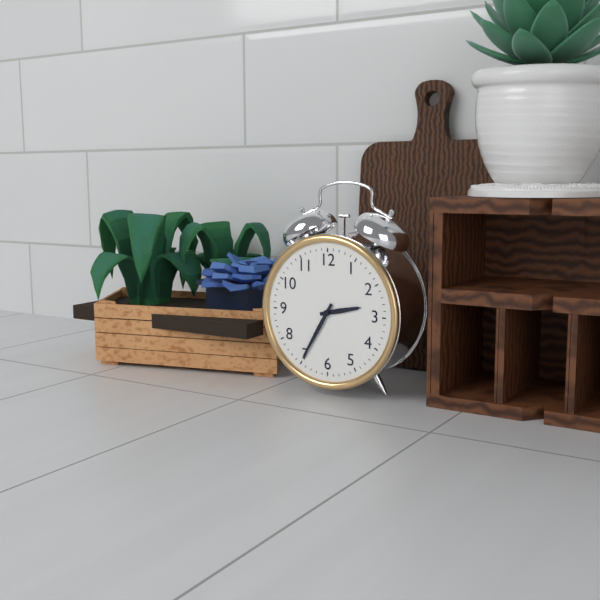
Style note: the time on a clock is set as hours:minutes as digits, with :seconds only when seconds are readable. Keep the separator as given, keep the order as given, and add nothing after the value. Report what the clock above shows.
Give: 2:35
